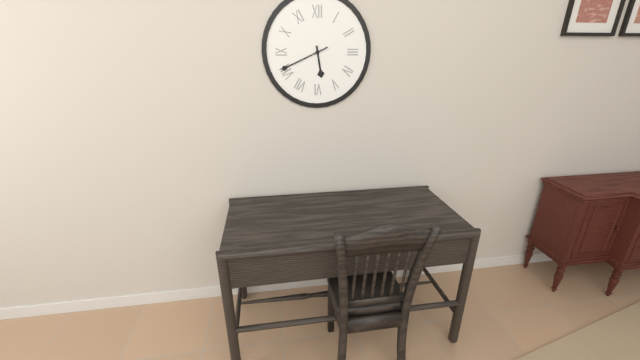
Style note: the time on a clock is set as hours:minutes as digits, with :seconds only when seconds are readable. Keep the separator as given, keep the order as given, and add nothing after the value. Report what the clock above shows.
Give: 5:41
